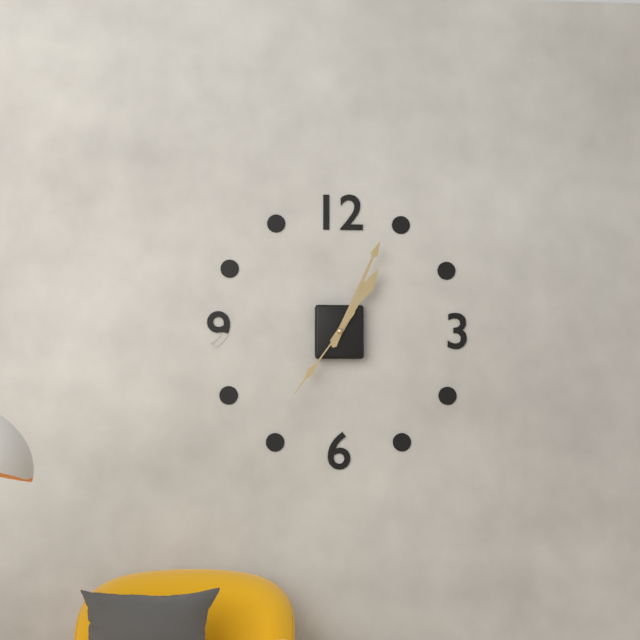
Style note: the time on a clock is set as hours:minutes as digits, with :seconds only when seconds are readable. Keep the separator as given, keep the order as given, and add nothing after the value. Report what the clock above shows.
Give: 1:04:36
